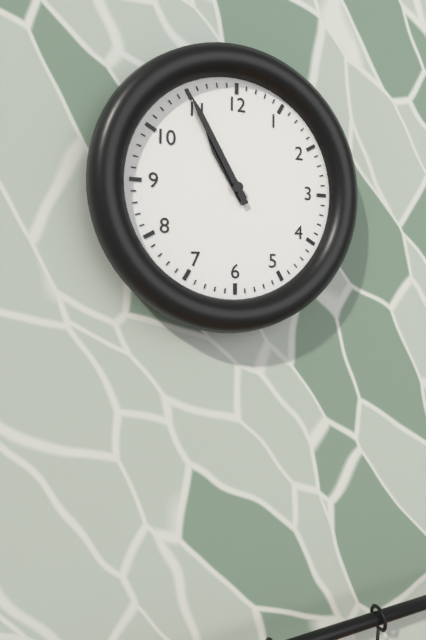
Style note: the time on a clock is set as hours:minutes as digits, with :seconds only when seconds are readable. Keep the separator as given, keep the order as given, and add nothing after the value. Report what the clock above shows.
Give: 10:55
